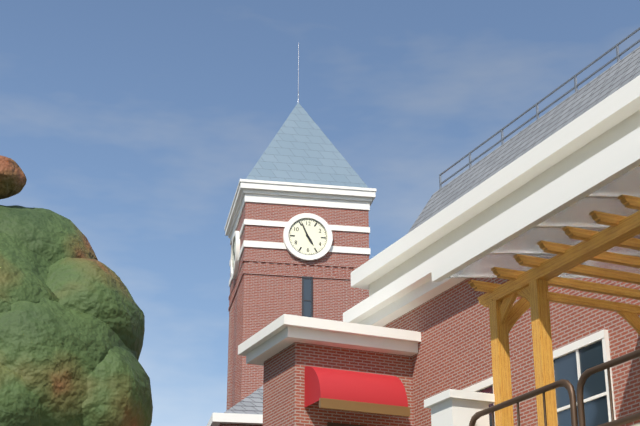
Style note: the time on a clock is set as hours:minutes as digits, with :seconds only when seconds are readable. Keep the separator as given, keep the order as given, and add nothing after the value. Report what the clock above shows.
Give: 4:56
